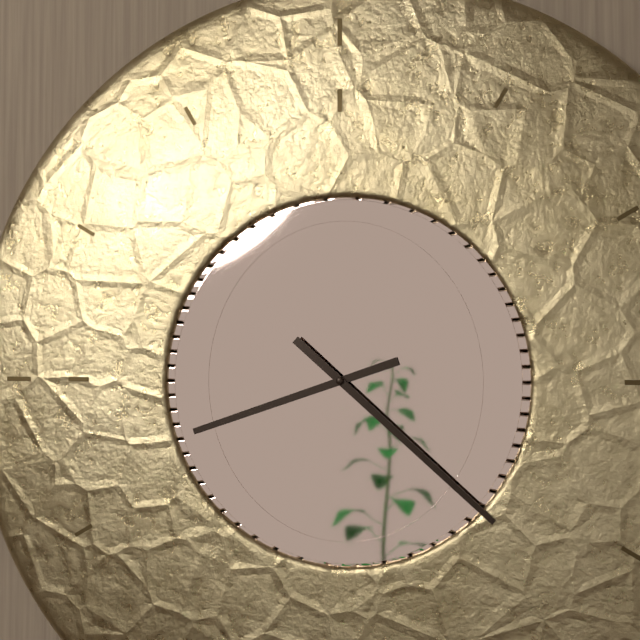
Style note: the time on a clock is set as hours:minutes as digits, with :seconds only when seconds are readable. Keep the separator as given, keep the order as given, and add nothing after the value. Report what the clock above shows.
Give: 8:22
